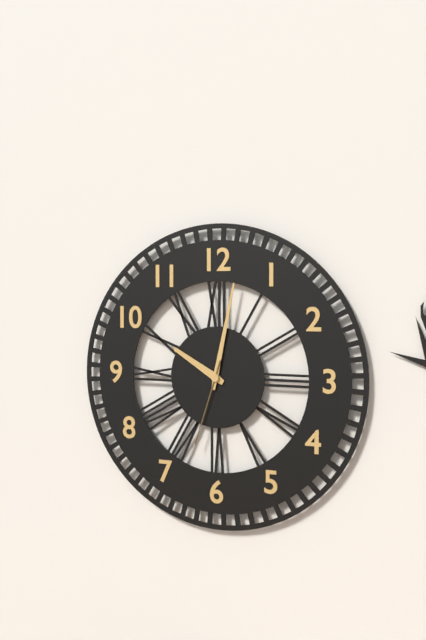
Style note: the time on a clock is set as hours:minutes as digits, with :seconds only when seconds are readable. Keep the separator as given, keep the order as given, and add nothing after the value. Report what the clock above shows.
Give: 10:02:33
